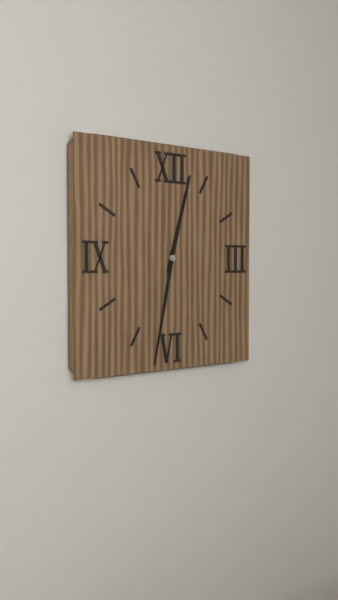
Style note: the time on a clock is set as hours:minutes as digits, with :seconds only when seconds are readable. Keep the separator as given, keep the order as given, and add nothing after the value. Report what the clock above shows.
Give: 12:32
